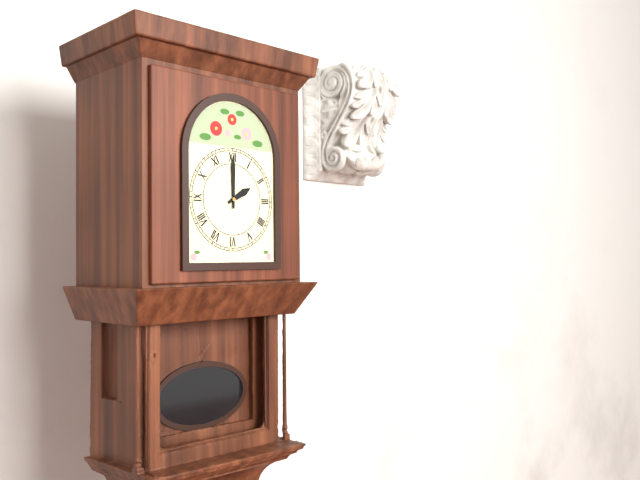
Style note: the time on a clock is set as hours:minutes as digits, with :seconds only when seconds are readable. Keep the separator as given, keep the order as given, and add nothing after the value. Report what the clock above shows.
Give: 2:00
